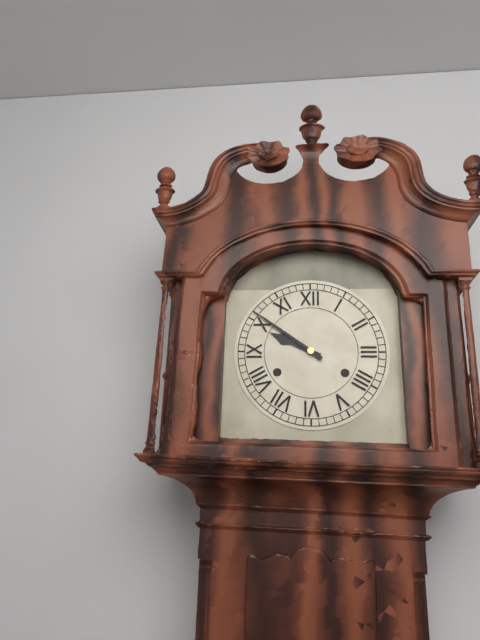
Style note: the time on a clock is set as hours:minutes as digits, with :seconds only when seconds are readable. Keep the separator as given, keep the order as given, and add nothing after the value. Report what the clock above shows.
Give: 9:51
